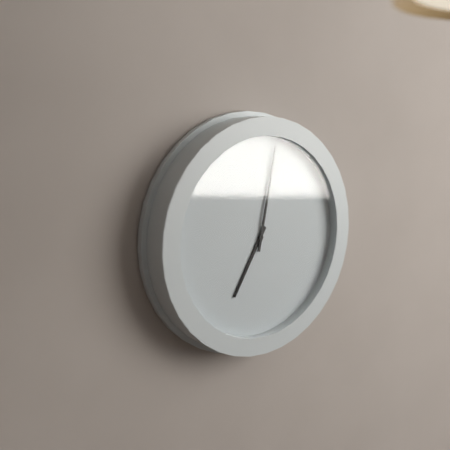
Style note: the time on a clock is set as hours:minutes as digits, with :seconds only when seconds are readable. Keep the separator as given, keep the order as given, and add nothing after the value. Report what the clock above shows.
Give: 7:02
